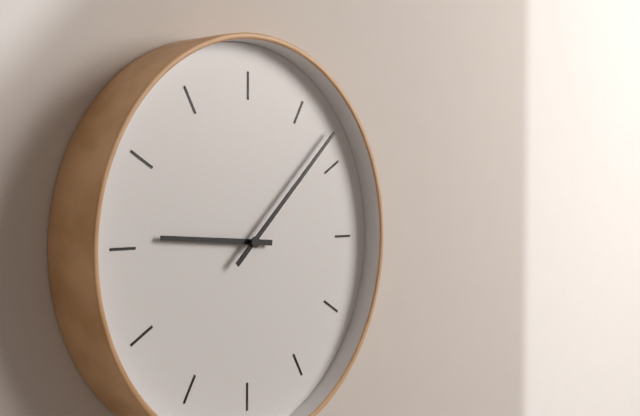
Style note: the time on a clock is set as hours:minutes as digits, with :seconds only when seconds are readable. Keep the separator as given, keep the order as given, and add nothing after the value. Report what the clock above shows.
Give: 9:08
